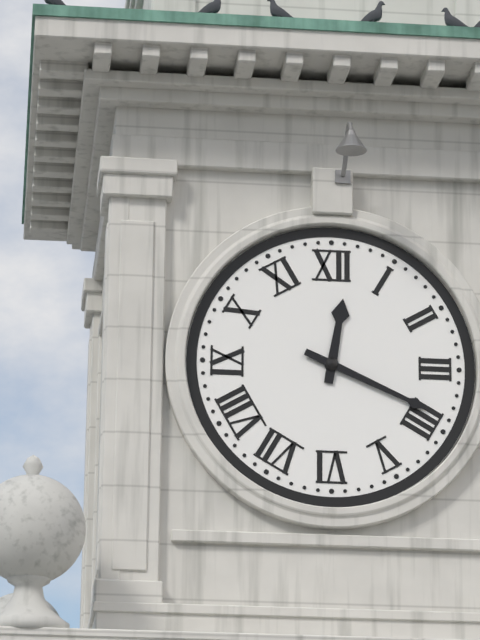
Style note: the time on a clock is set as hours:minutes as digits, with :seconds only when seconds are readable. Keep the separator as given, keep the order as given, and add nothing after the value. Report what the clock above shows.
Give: 12:19
